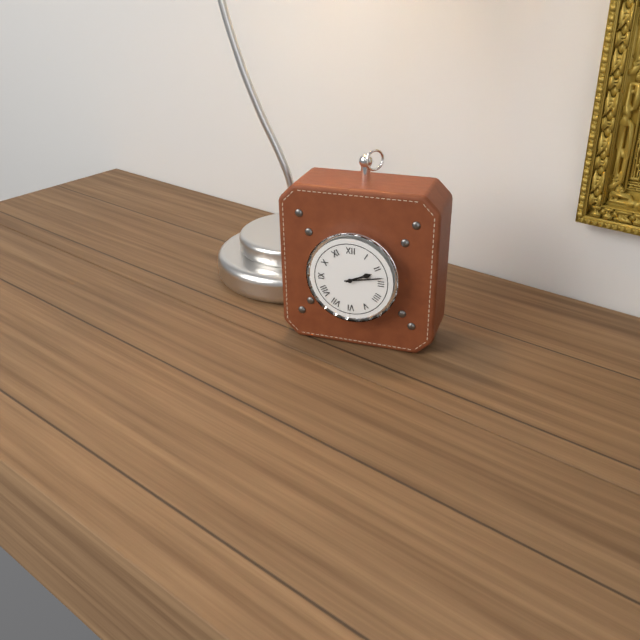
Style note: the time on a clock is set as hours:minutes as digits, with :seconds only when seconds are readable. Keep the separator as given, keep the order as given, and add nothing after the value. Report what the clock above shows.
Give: 2:13
